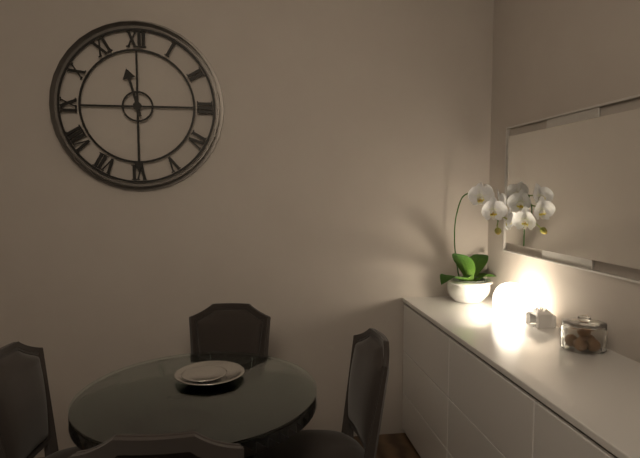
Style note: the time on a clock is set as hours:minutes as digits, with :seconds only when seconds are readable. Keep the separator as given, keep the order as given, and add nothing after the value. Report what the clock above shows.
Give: 11:30
